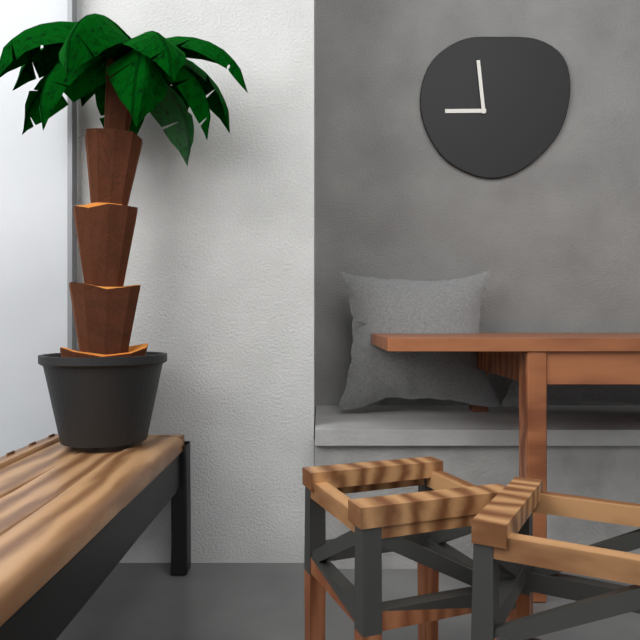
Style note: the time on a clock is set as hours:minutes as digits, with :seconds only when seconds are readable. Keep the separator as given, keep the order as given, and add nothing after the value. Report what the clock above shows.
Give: 8:59
